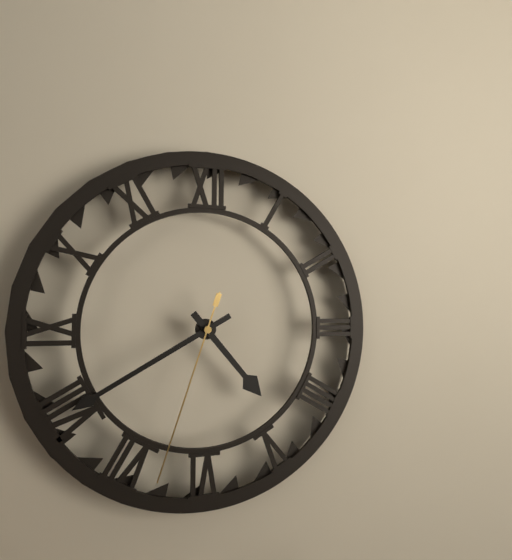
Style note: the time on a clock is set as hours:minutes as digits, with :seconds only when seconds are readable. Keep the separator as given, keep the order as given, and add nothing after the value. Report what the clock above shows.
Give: 4:40:33
